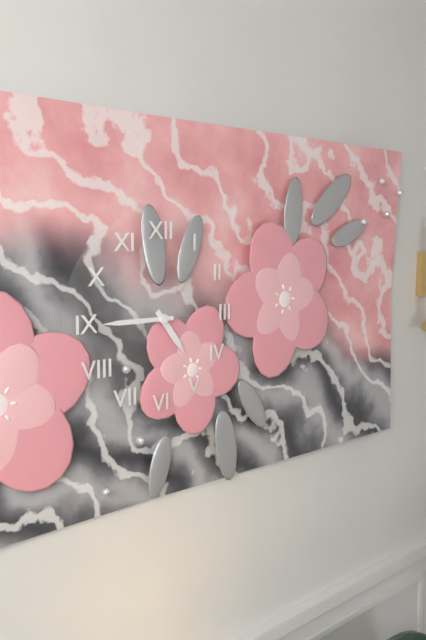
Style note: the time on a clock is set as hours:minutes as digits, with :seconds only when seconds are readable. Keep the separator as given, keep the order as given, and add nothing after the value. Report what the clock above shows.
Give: 4:45
